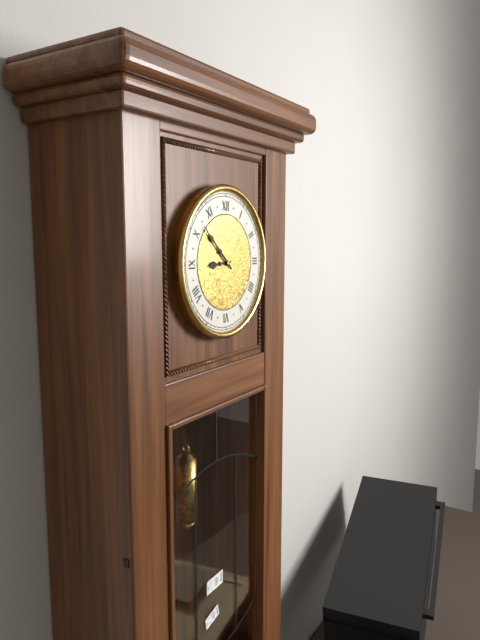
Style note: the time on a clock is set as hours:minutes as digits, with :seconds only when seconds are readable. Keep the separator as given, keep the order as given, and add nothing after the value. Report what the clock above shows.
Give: 8:52
